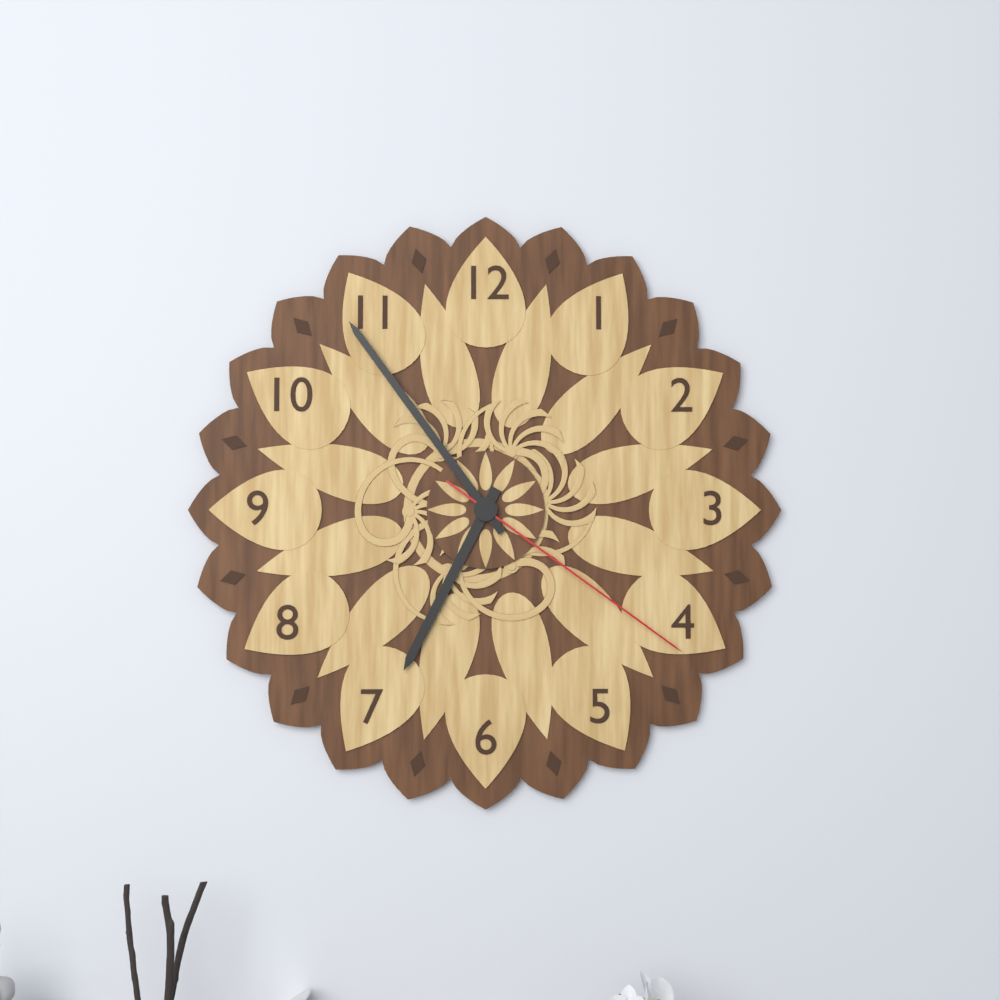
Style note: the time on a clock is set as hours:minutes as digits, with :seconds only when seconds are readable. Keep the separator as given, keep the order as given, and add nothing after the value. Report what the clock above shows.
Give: 6:54:21
